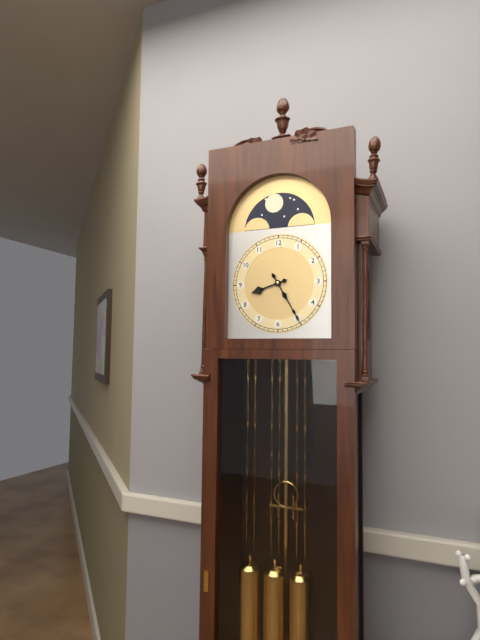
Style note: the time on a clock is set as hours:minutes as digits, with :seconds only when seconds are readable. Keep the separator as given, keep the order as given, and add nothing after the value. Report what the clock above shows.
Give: 8:25
